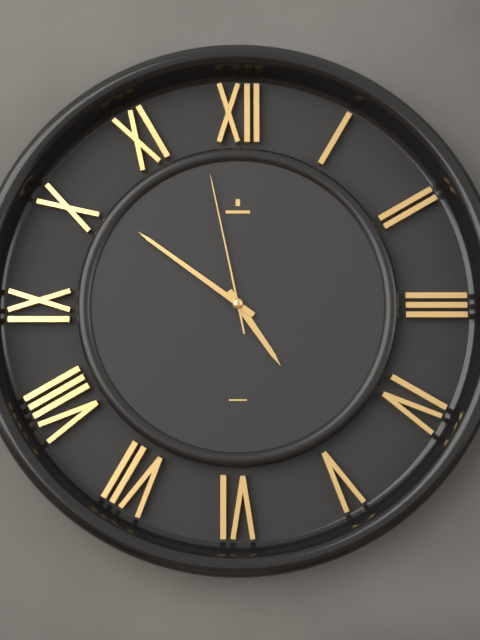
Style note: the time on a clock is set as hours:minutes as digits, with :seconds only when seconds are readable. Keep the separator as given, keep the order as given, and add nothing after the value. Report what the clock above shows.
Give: 4:51:58
